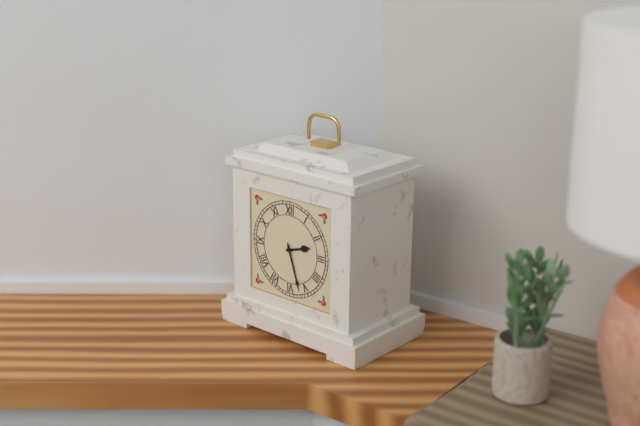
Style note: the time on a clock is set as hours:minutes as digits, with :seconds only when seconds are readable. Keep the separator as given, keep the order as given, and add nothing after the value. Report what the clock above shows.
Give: 2:27
